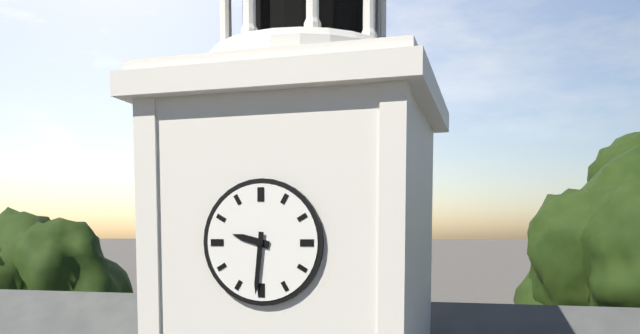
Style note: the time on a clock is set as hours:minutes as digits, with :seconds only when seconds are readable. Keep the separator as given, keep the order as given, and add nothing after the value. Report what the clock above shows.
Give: 9:31
